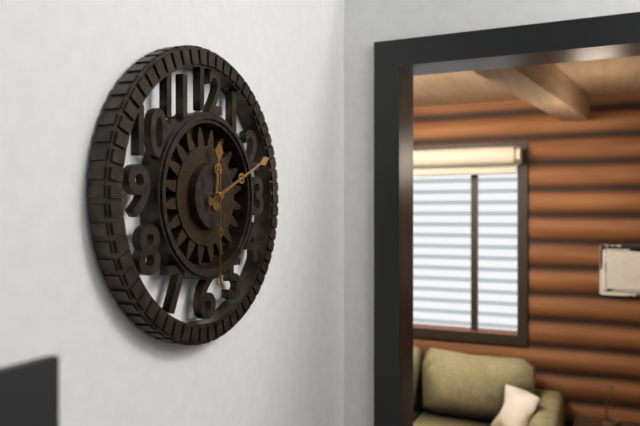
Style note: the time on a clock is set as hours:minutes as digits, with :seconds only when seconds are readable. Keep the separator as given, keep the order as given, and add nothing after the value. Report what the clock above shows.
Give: 12:11:30
